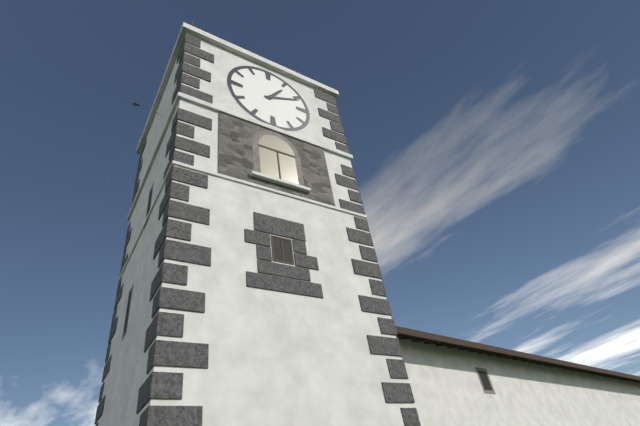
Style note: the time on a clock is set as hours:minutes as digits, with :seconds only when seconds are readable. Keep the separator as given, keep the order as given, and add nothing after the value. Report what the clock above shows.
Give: 1:11
